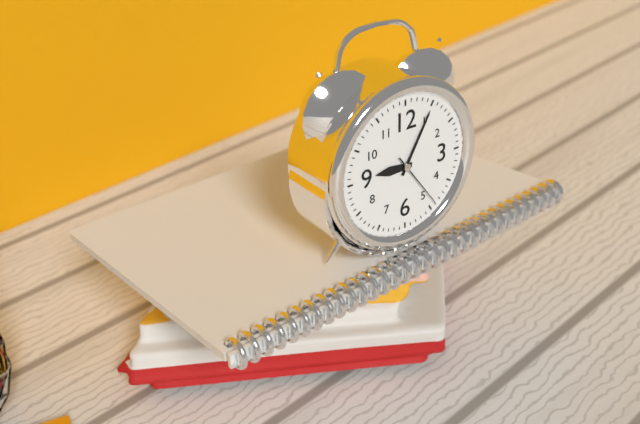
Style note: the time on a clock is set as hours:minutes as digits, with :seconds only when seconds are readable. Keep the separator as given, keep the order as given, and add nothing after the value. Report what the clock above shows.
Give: 9:05:24
